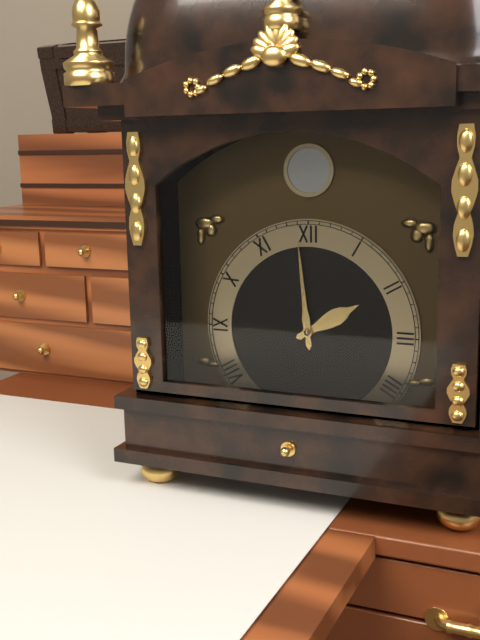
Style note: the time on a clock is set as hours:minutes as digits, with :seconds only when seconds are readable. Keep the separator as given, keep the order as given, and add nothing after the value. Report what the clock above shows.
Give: 1:59
